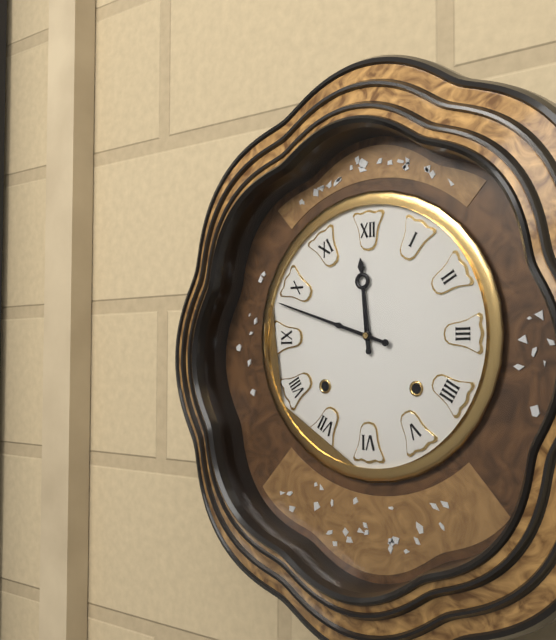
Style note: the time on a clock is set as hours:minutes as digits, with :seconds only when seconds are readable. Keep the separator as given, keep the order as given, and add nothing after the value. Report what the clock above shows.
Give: 11:48
